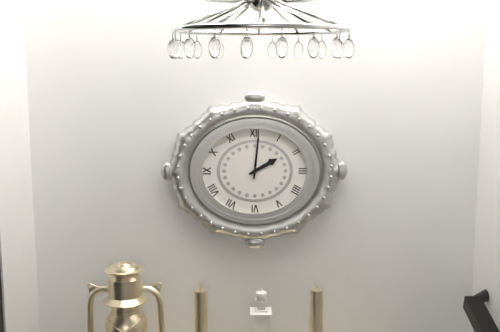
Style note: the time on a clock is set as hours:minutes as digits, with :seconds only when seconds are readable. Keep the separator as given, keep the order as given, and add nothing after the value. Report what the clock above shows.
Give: 2:01
